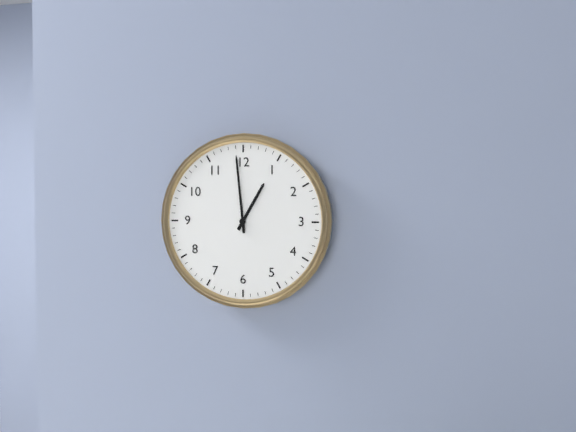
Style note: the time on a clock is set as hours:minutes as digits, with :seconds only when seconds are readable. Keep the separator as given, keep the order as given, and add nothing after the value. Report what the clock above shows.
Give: 12:59
